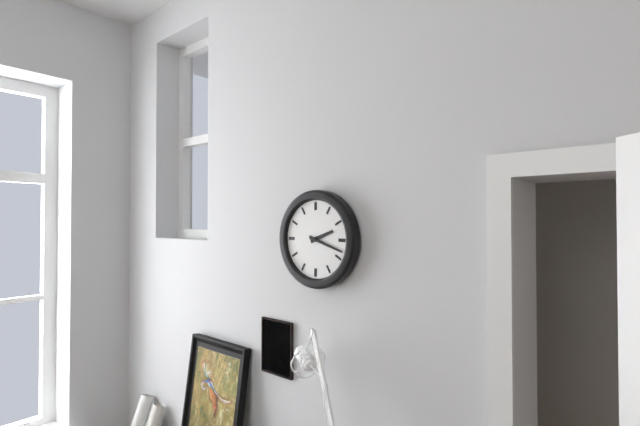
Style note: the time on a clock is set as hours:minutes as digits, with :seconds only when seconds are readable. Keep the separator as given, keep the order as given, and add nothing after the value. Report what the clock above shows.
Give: 2:18
